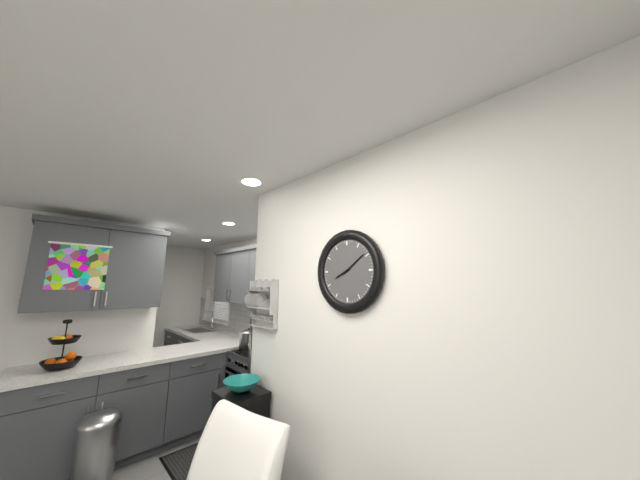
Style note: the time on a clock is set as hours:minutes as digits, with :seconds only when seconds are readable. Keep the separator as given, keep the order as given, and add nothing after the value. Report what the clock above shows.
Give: 8:09
